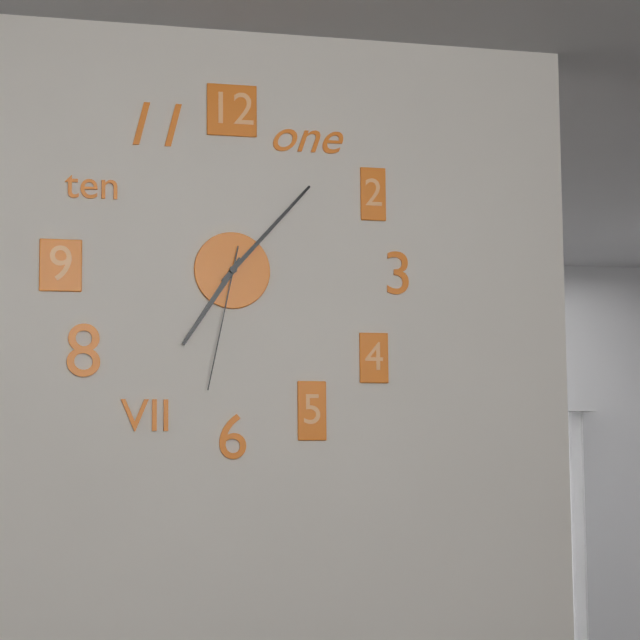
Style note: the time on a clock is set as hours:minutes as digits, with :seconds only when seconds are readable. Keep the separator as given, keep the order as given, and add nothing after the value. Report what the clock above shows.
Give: 7:07:32
